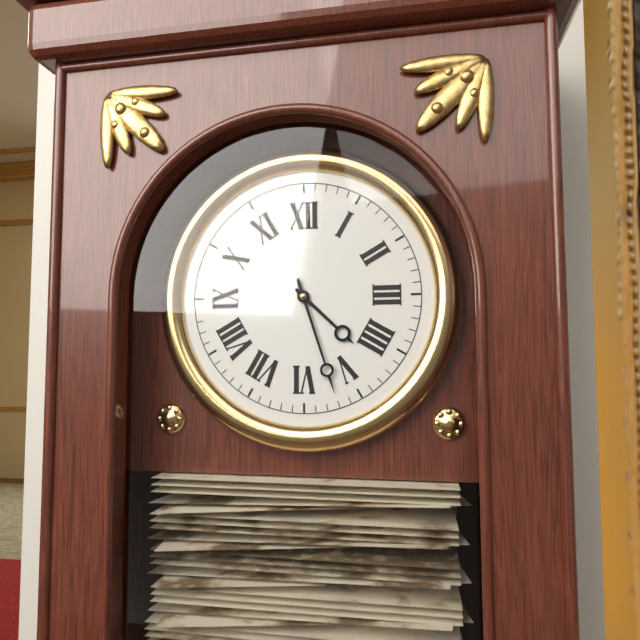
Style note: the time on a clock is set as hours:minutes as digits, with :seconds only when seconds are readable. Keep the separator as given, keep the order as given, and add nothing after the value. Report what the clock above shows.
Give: 4:27
